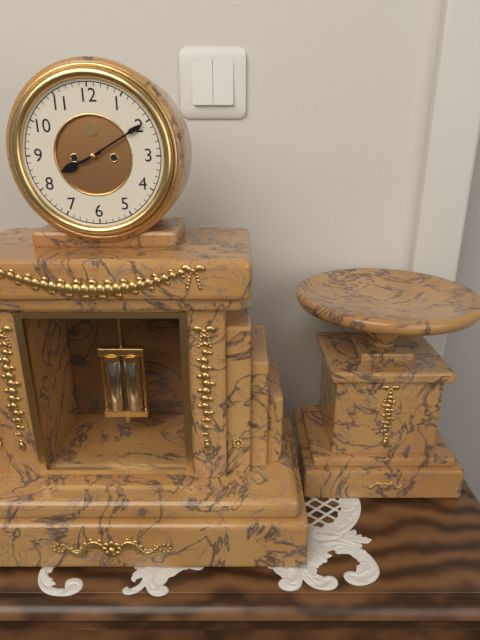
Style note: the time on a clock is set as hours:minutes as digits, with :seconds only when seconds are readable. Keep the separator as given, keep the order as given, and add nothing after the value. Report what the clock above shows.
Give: 8:10
